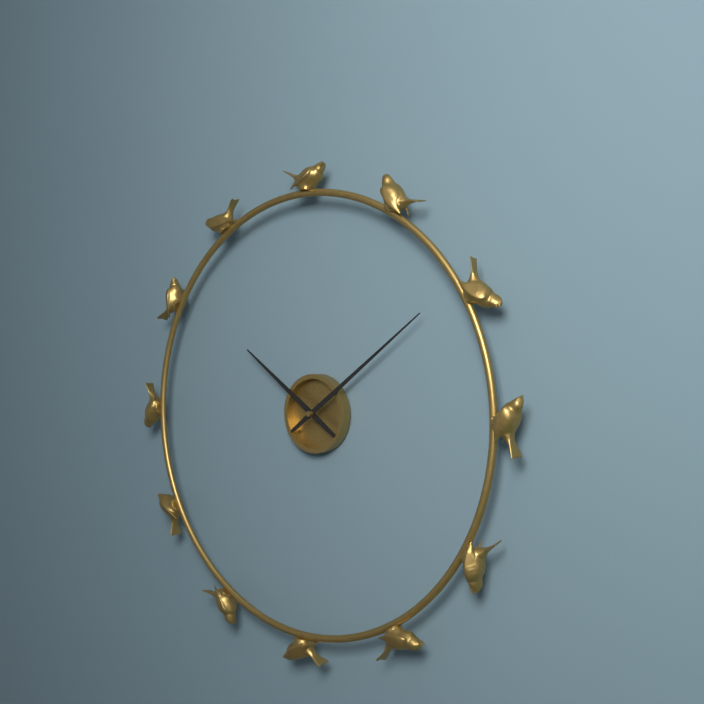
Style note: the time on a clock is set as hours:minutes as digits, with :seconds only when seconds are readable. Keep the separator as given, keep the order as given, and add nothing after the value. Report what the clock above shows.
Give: 10:09
